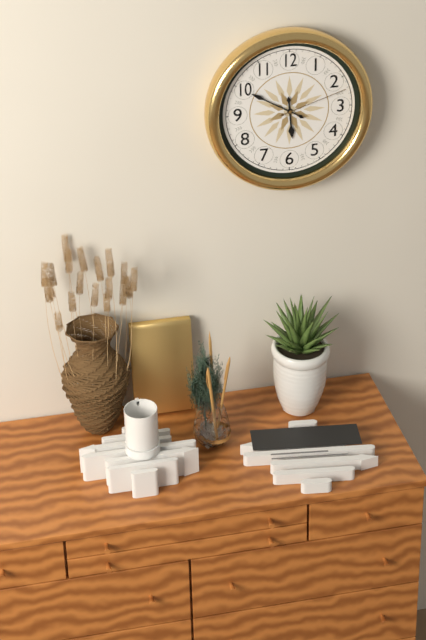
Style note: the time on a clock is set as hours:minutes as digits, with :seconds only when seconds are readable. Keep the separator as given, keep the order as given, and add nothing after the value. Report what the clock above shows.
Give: 5:50:12
